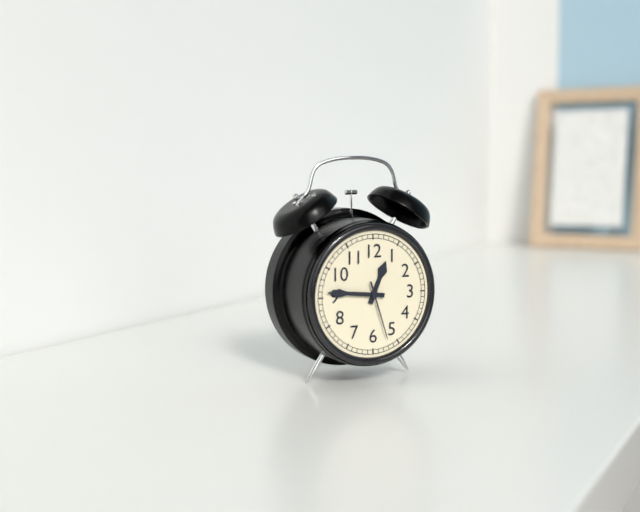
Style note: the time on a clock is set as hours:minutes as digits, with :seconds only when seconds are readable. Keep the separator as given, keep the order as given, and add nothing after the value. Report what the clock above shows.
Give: 12:46:27
